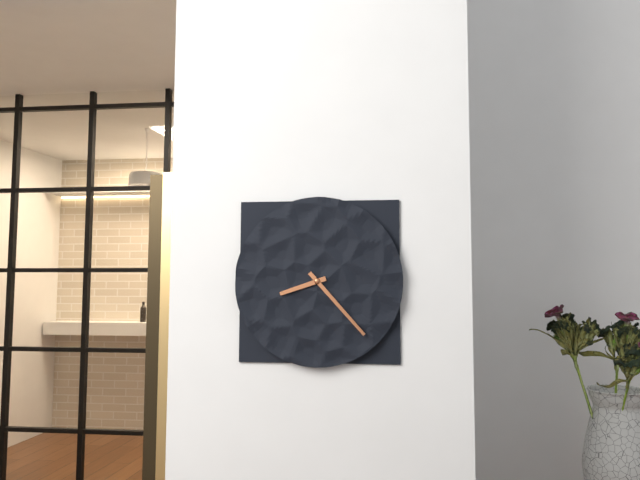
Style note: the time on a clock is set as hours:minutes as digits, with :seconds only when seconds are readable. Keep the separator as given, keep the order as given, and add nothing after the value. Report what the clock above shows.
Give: 8:23
